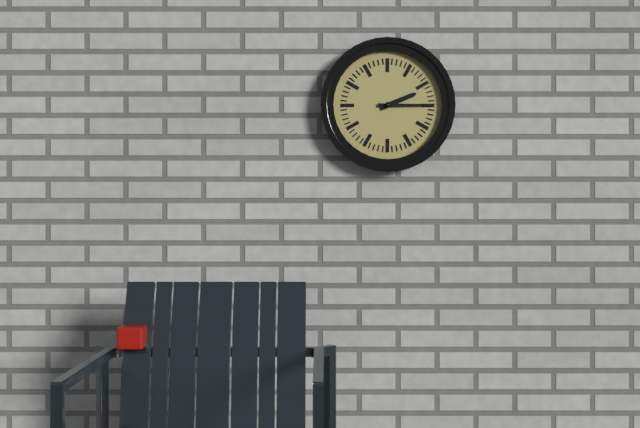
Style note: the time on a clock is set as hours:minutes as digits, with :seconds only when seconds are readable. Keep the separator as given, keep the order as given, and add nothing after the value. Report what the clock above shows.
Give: 2:15
